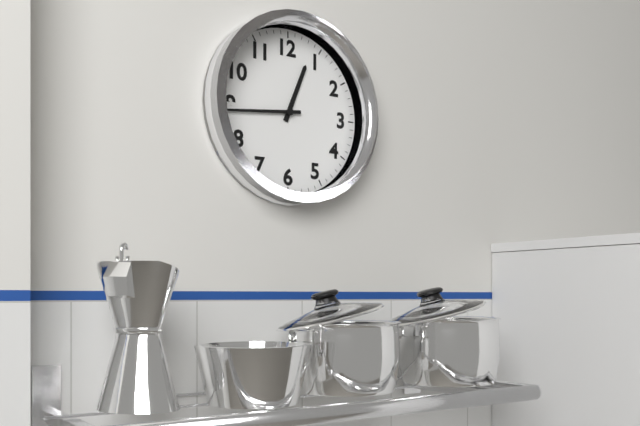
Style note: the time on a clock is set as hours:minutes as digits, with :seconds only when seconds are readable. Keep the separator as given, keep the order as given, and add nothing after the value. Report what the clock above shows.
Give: 12:44
